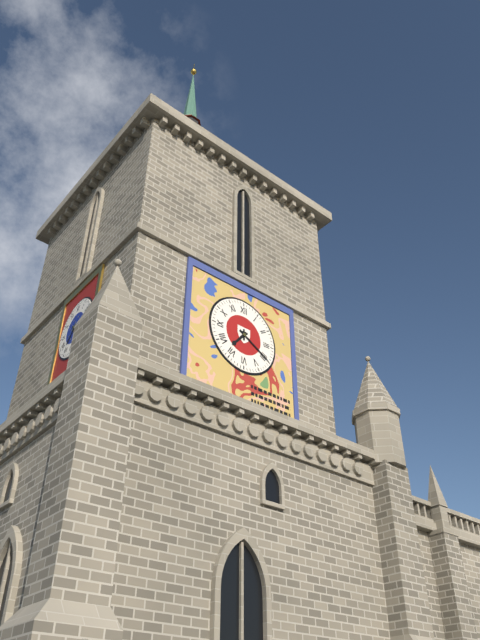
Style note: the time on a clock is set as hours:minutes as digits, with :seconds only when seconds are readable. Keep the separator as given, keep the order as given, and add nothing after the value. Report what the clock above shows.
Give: 7:20
